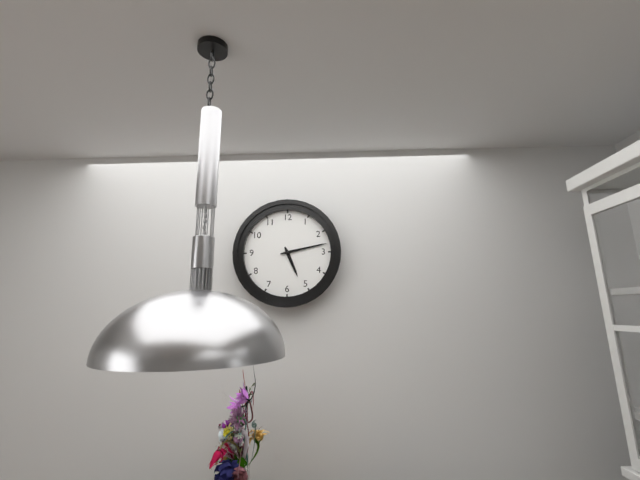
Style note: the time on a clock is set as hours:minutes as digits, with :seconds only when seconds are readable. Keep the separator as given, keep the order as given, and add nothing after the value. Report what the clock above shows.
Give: 5:13
